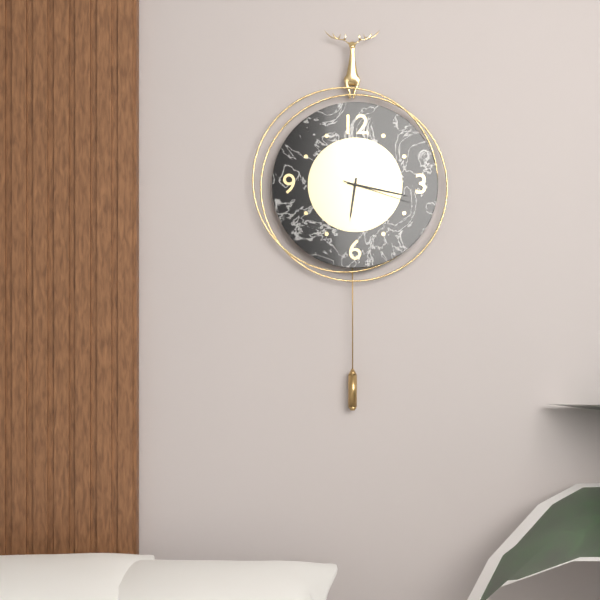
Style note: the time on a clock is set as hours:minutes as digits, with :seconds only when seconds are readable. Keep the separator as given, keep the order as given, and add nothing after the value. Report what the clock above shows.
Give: 6:17:18
